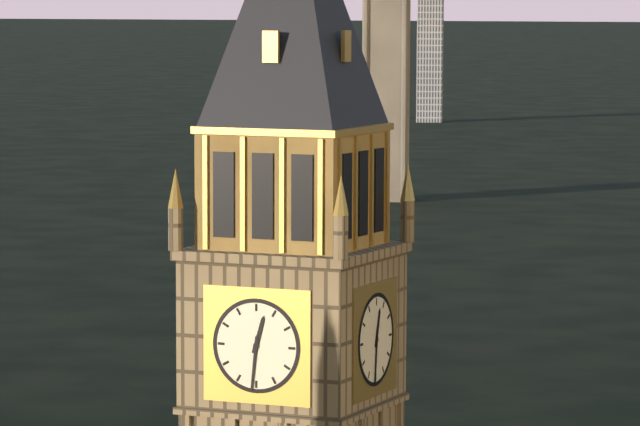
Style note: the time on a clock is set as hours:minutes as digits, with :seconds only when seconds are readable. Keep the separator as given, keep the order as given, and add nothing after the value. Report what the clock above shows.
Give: 12:31
